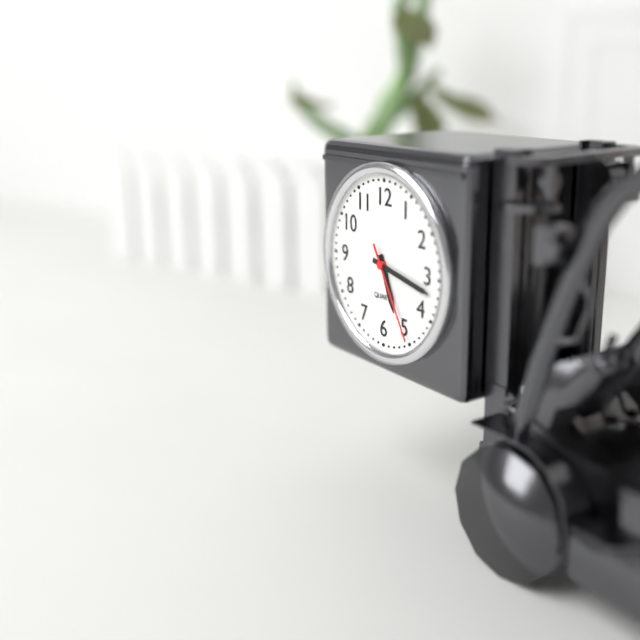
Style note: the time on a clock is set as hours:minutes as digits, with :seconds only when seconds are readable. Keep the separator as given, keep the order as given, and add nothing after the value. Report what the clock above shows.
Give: 5:17:25
